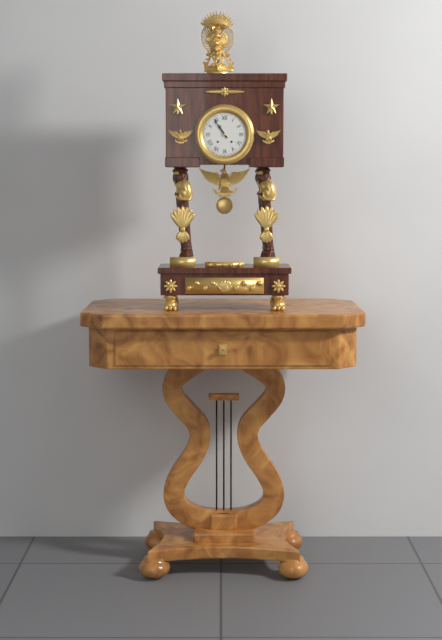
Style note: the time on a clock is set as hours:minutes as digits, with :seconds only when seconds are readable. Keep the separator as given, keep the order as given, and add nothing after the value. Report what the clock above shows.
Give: 10:54
